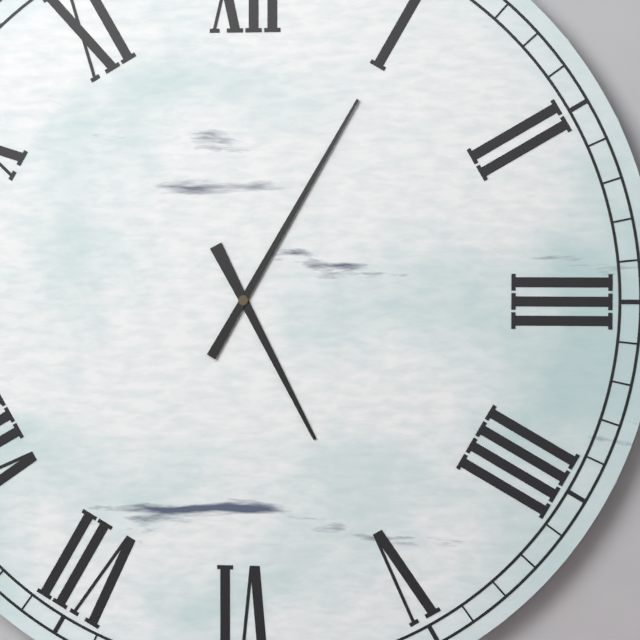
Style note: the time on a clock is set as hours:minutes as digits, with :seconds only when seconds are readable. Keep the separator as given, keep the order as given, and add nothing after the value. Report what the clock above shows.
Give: 5:05
